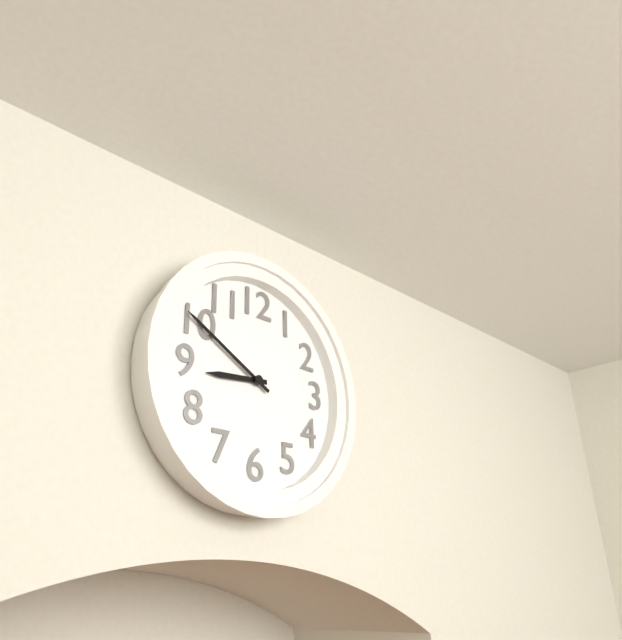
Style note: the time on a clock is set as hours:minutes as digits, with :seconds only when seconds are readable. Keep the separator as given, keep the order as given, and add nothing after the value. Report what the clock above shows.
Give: 8:50
